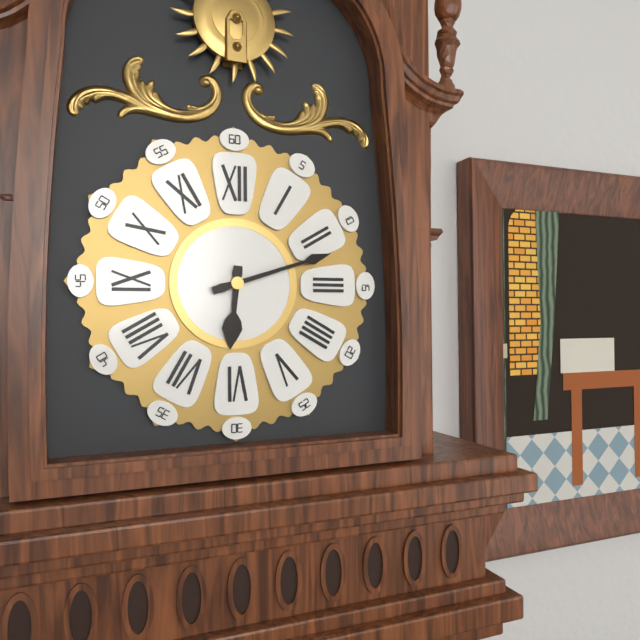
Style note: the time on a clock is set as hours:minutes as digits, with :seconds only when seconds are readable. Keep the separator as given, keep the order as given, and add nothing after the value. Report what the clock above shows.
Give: 6:12
